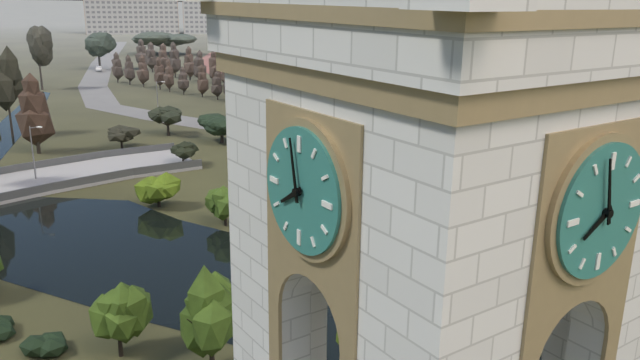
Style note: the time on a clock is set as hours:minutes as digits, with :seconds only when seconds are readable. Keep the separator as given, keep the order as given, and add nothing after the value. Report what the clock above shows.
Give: 7:58
